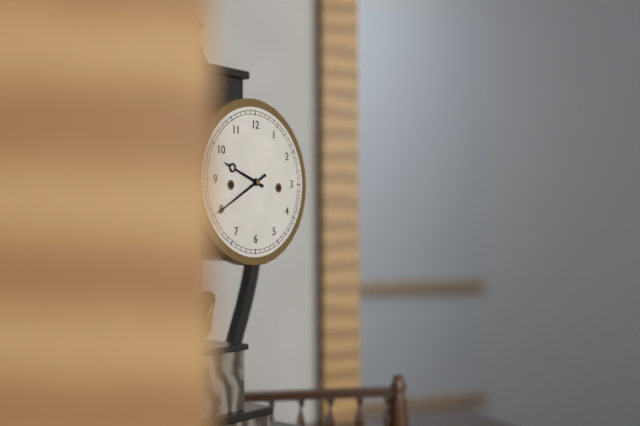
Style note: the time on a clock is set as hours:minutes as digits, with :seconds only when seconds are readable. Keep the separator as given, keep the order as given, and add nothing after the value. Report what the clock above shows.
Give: 9:40
